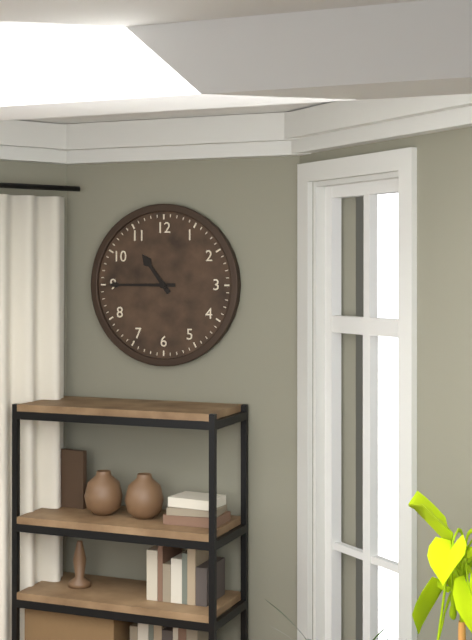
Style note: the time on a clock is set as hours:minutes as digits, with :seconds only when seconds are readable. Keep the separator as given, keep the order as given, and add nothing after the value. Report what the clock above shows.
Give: 10:45
